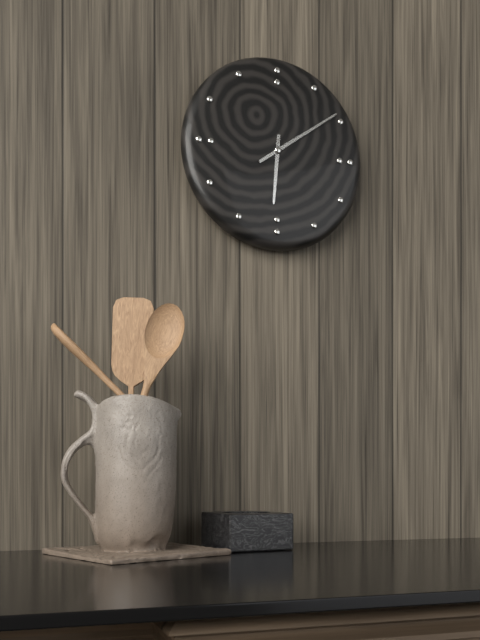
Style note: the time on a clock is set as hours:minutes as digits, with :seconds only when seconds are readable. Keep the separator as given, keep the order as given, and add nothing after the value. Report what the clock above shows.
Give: 6:09
